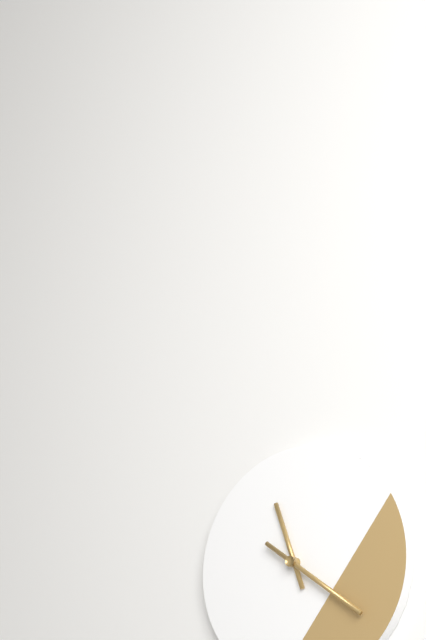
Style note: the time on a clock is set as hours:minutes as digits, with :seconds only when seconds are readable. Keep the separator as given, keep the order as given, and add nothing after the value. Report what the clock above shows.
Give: 11:21
